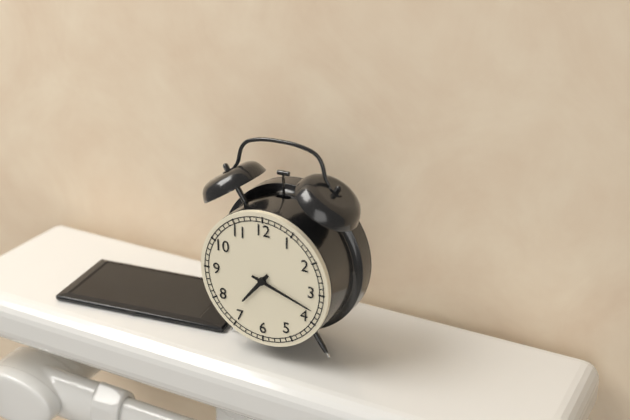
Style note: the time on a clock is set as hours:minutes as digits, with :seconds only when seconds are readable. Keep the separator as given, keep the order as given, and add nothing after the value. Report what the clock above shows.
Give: 7:18
